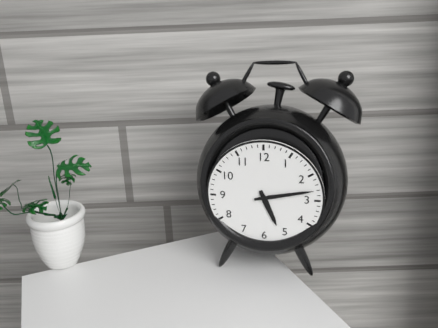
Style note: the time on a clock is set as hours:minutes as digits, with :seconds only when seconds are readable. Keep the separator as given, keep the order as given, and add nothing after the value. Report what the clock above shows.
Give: 5:13
